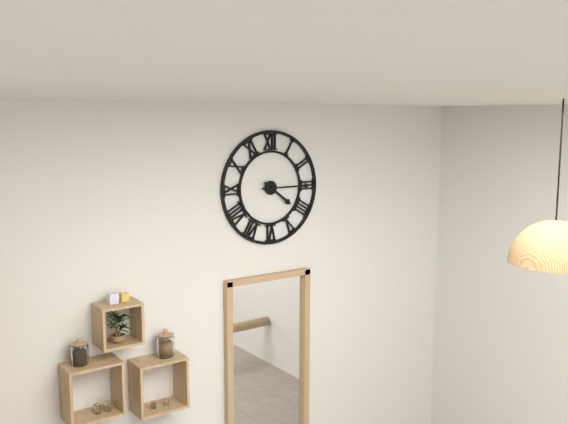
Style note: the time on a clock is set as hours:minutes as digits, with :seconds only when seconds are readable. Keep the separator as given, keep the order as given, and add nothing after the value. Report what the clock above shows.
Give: 4:15
